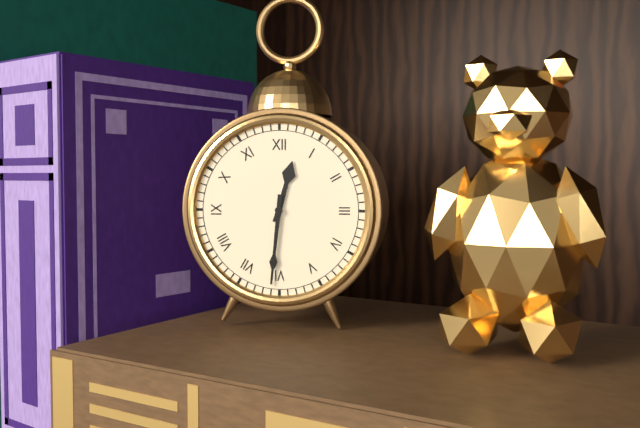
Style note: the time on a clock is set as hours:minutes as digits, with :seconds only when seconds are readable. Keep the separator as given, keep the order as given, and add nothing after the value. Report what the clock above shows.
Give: 12:31
